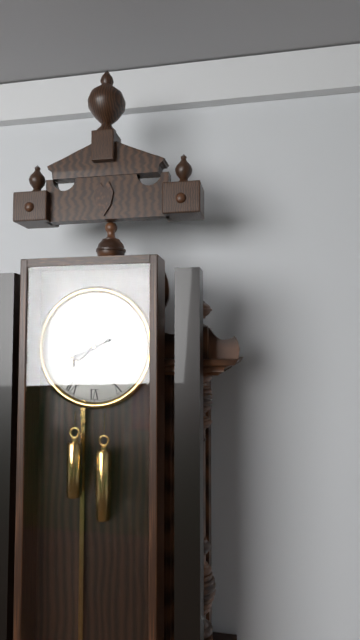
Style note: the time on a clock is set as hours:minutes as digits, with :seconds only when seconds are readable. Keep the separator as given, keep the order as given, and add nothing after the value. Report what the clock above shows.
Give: 7:41
